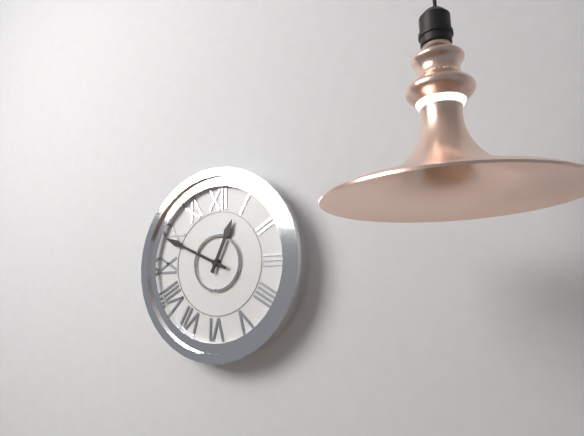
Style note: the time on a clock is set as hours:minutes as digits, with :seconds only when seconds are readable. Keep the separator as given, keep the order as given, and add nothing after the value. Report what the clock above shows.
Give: 12:49
